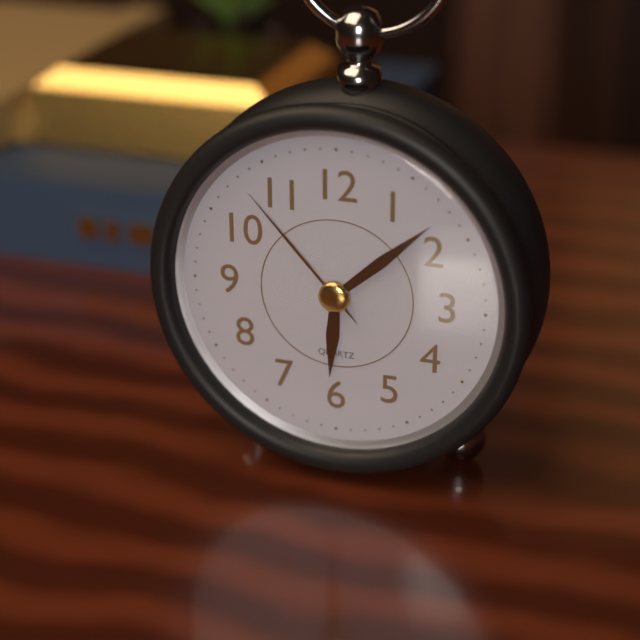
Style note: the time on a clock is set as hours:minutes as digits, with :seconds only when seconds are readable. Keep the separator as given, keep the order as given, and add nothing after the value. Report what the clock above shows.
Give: 6:08:53
